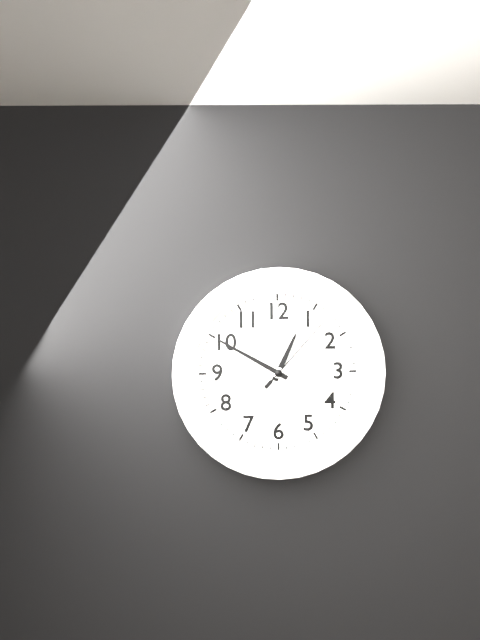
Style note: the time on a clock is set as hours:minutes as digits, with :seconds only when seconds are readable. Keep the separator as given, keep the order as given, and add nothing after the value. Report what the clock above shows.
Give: 12:50:07
